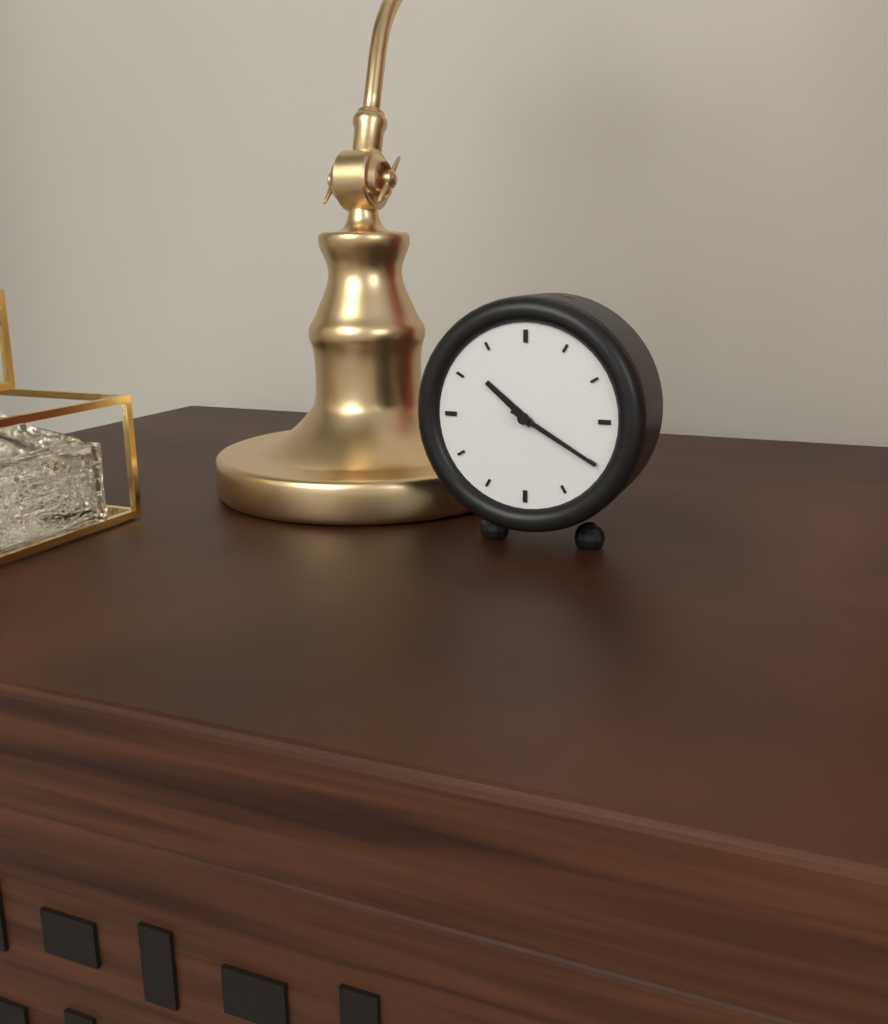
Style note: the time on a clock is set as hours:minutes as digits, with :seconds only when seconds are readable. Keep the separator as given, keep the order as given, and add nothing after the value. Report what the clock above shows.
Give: 10:20
